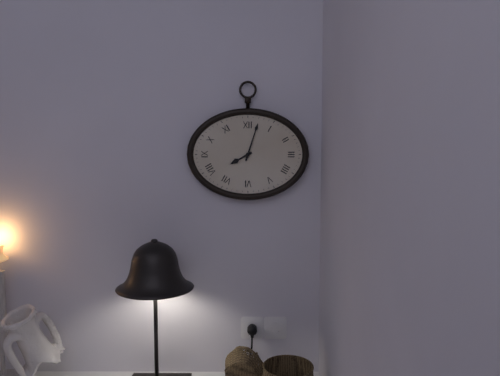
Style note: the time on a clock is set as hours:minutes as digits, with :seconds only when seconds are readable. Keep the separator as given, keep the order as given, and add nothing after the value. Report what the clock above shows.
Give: 8:03
